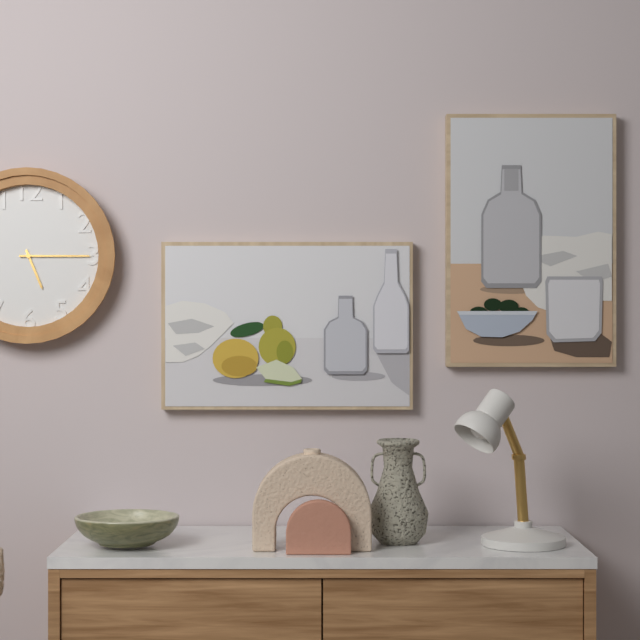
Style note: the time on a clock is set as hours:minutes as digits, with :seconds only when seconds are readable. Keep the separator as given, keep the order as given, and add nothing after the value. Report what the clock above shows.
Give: 5:15
